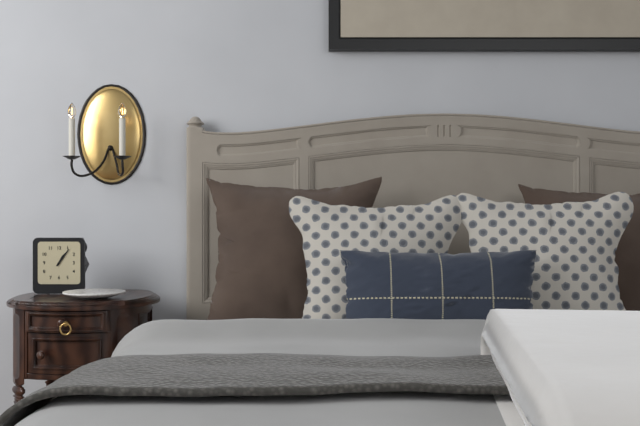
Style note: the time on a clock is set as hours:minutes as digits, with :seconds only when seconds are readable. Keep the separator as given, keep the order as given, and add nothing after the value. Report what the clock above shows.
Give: 1:06
